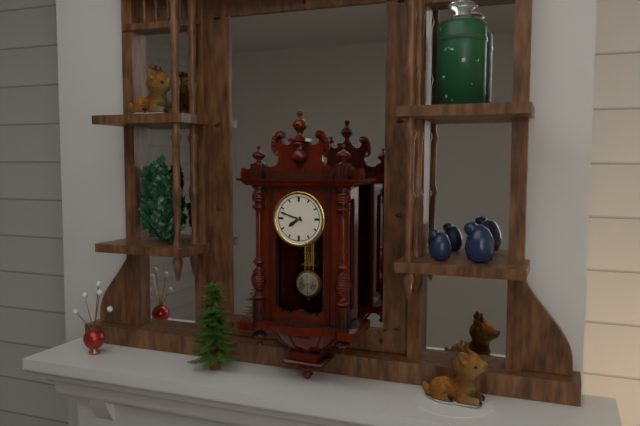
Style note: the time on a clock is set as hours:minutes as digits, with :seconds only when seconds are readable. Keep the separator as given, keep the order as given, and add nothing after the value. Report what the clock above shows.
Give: 7:48
